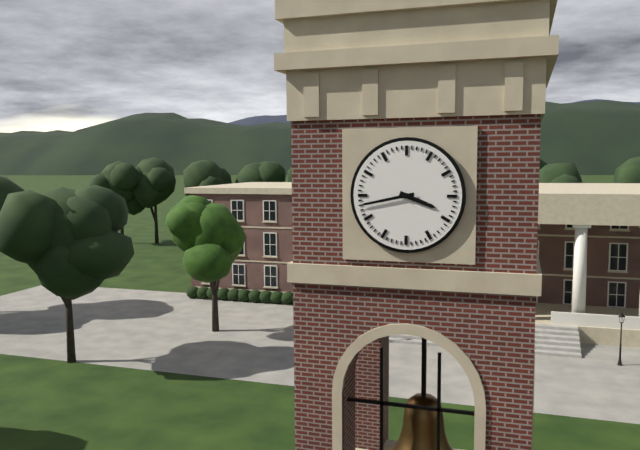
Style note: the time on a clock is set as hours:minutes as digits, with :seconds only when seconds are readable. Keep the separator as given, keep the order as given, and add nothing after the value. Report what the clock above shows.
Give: 3:43
